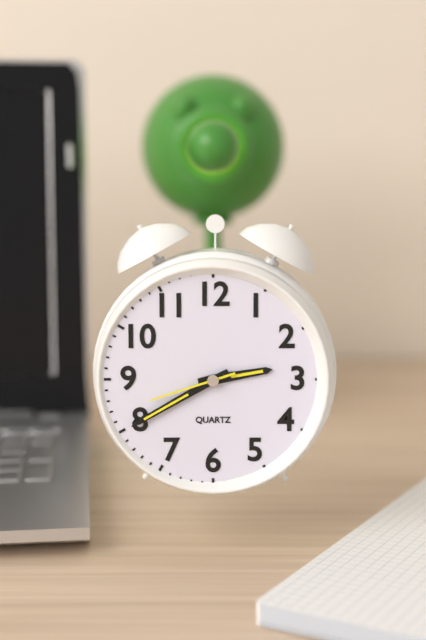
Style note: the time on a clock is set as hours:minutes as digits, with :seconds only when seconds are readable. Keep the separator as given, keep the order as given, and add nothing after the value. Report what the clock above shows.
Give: 2:40:42
